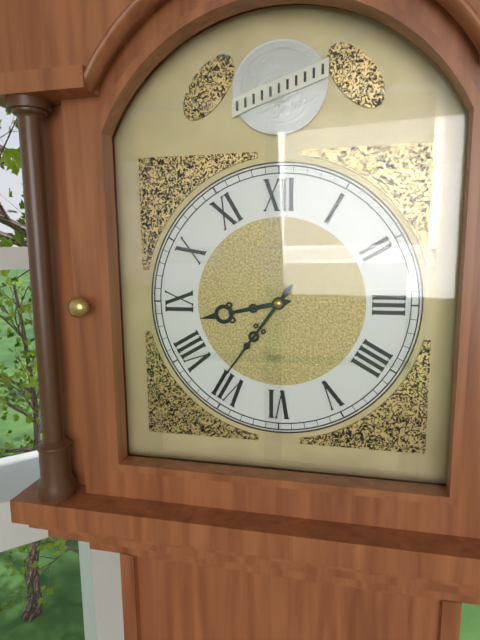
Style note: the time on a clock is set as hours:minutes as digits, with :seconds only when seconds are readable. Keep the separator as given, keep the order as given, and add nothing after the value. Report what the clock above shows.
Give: 8:36
